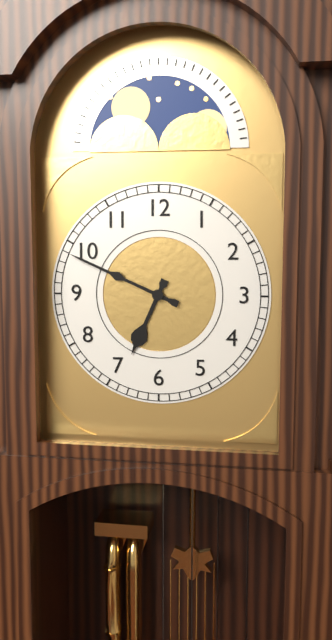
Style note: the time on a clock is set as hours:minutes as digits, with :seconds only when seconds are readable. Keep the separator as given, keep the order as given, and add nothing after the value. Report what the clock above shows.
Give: 6:49
